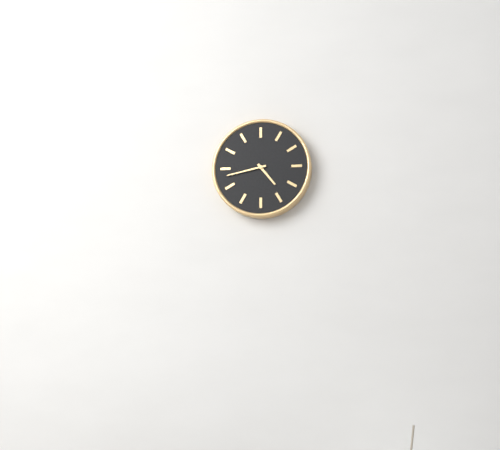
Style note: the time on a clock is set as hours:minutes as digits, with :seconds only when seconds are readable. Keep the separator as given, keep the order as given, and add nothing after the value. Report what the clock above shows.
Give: 4:43
